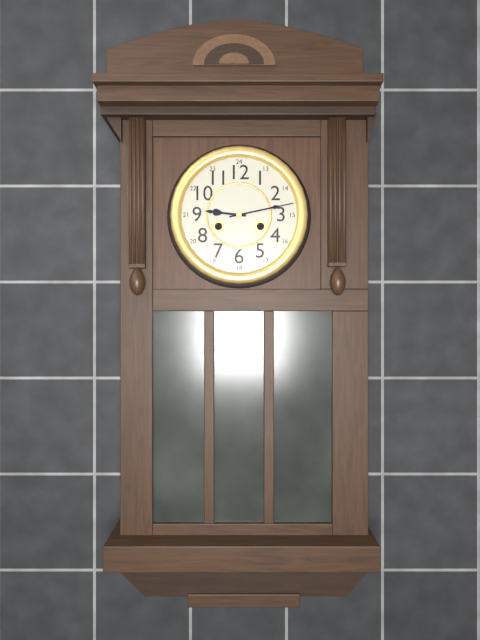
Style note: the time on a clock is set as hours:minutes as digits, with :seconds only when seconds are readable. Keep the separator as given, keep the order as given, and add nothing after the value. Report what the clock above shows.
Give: 9:13
